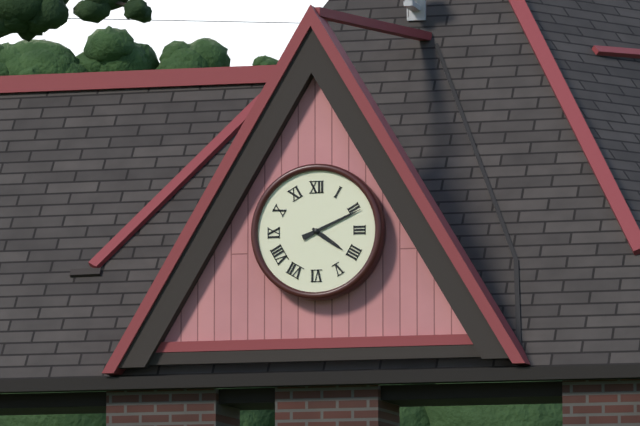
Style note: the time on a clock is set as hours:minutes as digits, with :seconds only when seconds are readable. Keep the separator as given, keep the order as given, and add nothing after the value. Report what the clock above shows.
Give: 4:11
